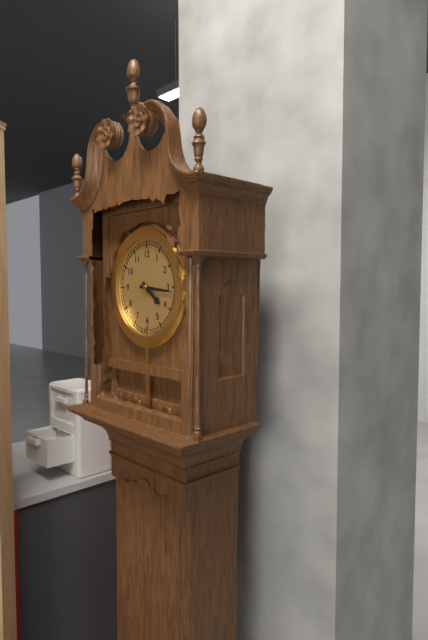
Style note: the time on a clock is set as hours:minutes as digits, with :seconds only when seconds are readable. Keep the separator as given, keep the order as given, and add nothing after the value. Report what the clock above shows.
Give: 4:16
